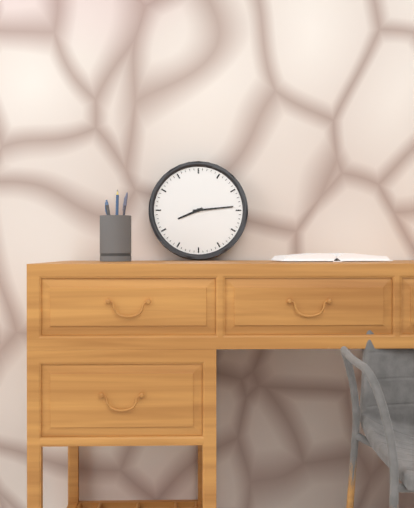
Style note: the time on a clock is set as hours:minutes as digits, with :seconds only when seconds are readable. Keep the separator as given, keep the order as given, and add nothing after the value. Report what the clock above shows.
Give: 8:14
